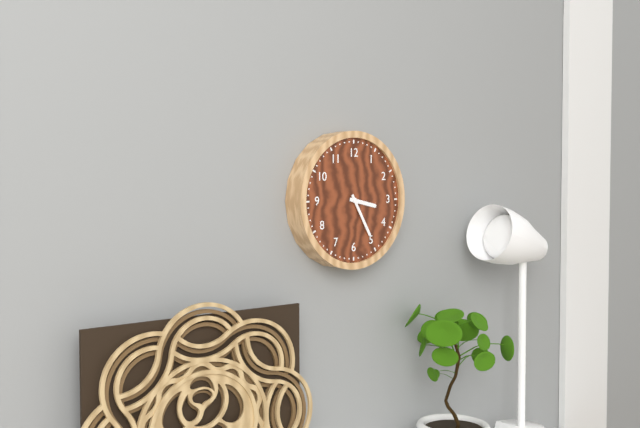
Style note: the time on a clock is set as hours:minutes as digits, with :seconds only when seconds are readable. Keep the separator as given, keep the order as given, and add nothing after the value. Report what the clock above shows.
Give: 3:25
